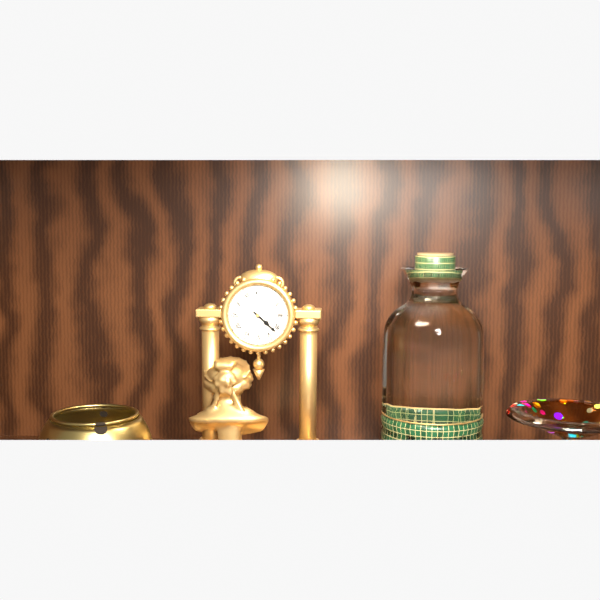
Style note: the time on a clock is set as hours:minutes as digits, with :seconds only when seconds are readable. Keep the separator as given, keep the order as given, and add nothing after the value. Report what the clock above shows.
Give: 4:22
